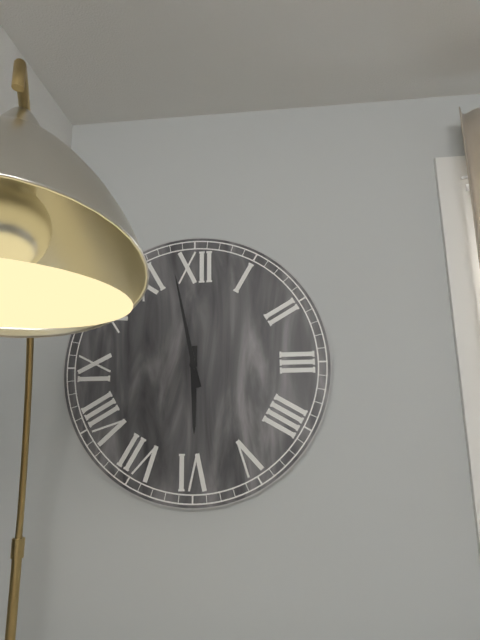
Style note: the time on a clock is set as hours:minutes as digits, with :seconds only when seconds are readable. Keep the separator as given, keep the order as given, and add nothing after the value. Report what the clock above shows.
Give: 5:58
